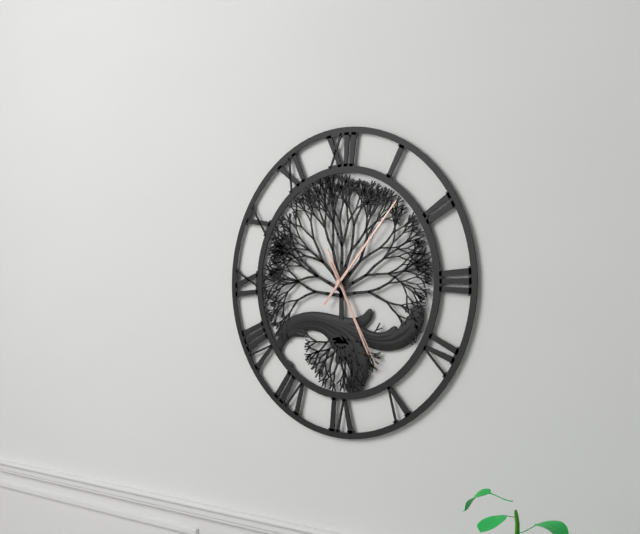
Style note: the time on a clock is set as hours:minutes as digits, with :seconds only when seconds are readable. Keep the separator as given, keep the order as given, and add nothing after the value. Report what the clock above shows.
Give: 5:07:25
